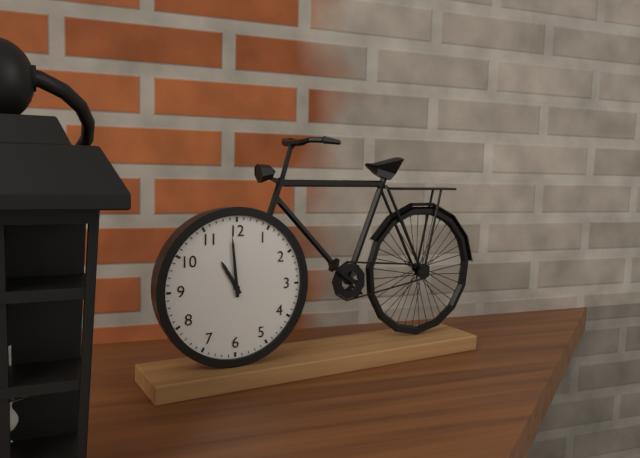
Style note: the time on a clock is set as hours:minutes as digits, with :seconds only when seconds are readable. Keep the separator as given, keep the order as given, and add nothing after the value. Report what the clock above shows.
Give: 10:59
